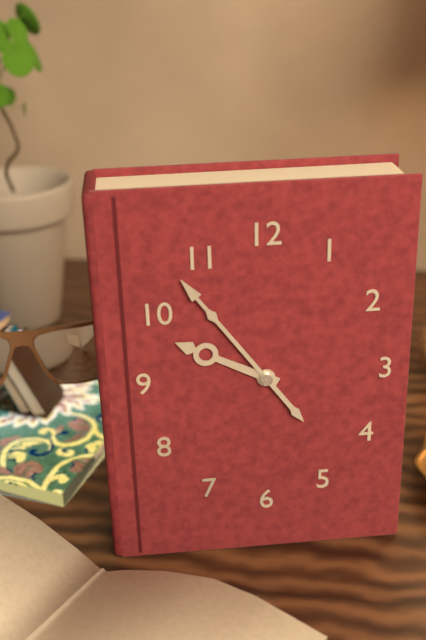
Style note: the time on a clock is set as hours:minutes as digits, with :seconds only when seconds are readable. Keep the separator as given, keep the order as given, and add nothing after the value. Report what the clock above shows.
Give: 9:54
